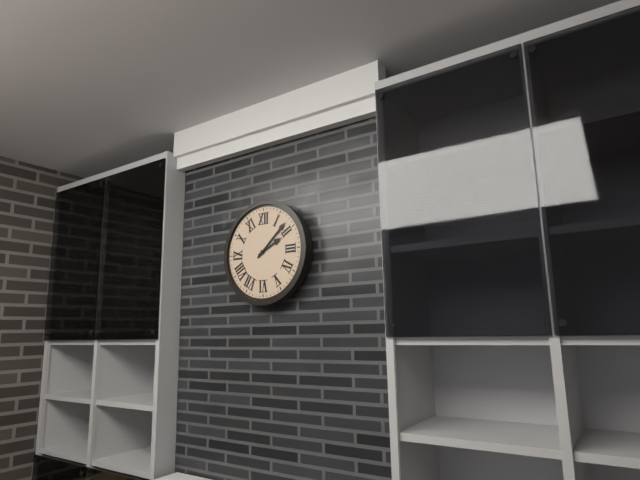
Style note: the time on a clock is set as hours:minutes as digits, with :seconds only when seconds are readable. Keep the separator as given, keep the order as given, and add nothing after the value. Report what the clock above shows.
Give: 2:08
